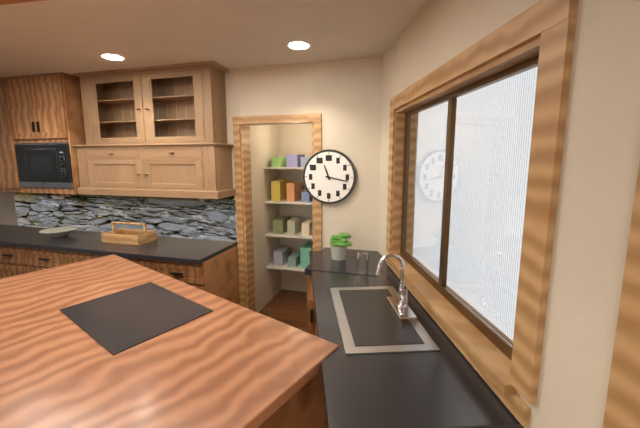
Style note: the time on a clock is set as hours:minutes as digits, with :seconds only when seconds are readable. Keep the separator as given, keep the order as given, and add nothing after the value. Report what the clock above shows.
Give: 11:17
